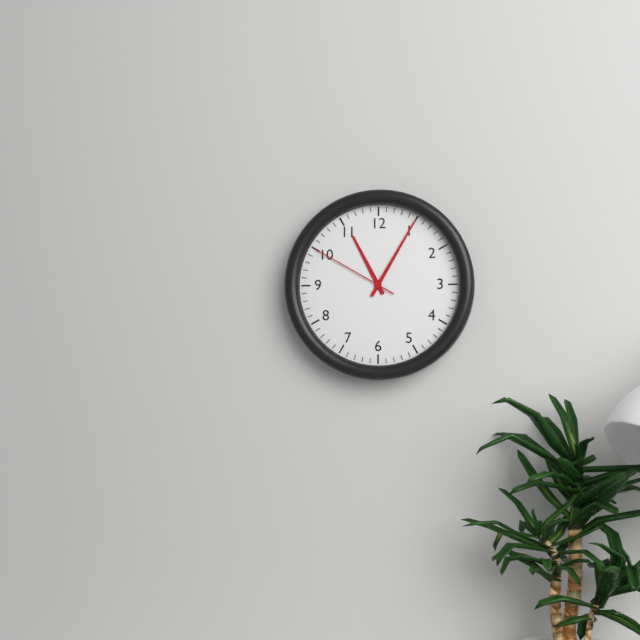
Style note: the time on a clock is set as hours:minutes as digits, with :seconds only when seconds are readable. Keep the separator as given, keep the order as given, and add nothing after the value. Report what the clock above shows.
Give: 11:05:50
